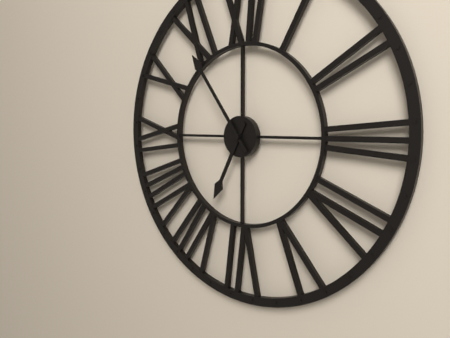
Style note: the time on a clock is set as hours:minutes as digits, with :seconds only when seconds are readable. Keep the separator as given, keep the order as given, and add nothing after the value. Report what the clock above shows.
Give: 6:54
